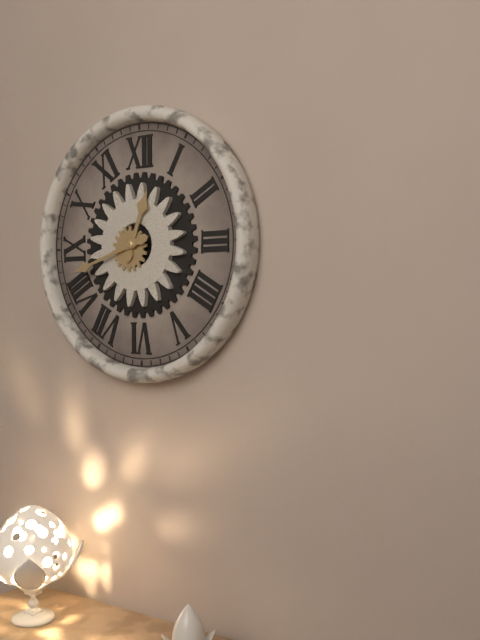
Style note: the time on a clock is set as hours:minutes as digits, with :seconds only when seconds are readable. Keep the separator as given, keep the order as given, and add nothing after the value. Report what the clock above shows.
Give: 12:42
